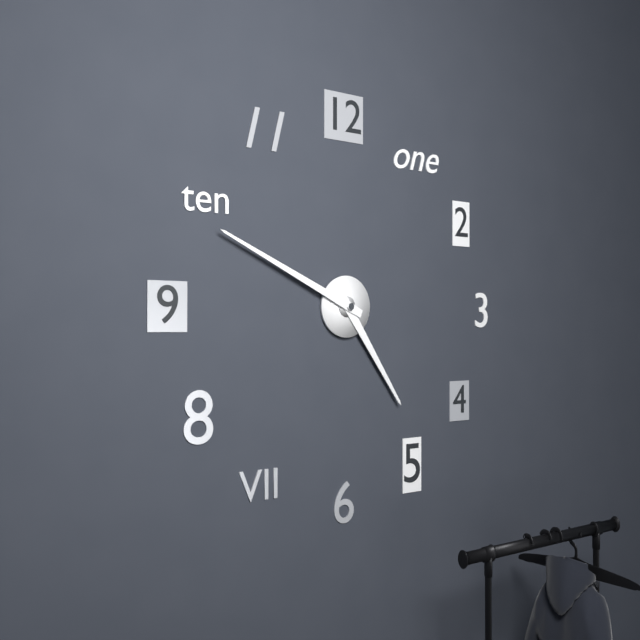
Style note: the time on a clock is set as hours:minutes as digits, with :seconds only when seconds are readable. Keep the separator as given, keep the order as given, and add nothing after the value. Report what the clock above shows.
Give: 4:49
